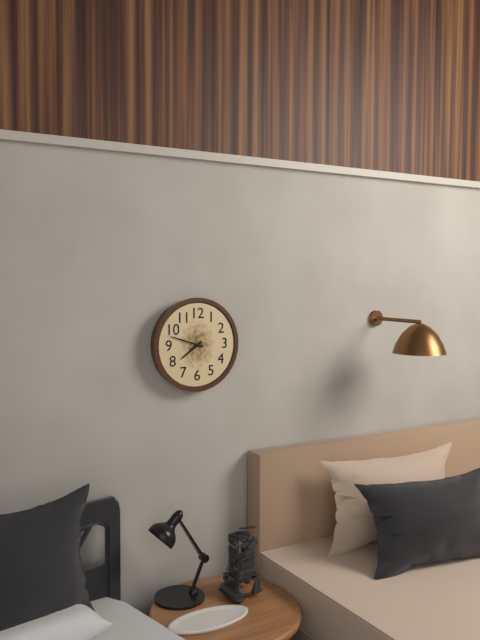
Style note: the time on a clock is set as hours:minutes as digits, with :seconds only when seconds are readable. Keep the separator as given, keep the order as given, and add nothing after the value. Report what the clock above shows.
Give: 7:48
